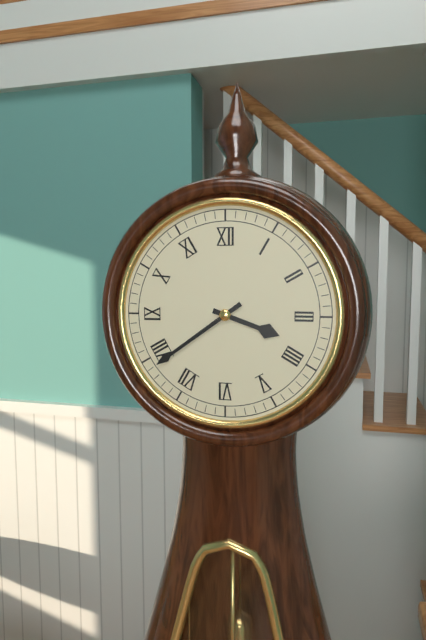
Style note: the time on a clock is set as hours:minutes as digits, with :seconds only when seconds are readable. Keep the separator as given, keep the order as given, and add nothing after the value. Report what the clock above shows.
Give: 3:39
